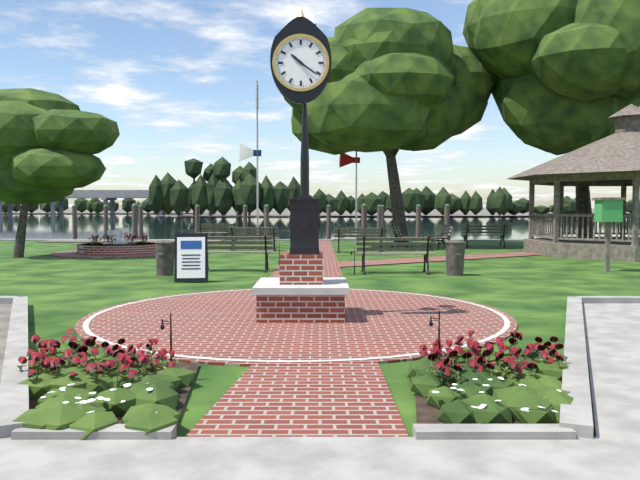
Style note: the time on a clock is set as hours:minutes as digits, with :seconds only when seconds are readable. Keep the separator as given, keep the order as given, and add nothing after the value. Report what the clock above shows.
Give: 10:21
